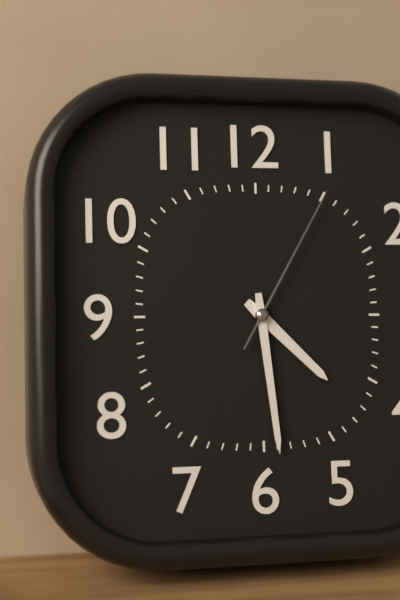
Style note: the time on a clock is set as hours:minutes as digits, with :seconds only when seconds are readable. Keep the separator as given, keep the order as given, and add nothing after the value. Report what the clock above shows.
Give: 4:29:05
